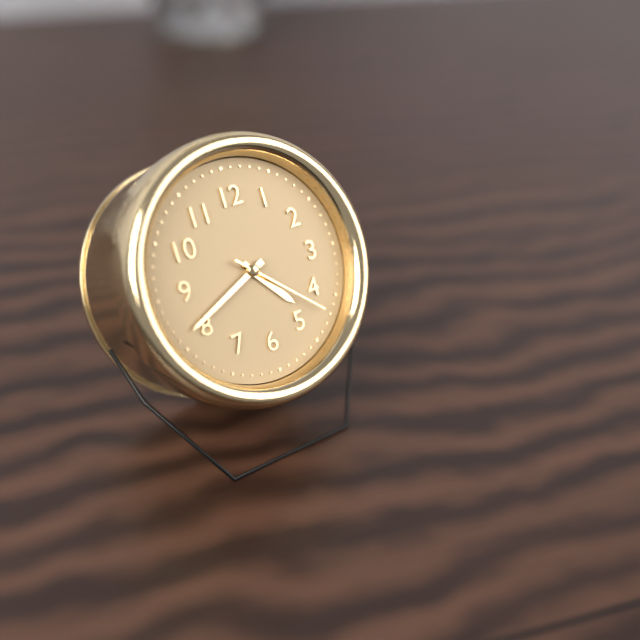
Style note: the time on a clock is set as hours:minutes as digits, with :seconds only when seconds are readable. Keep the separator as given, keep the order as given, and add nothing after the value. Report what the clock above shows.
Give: 4:41:22
